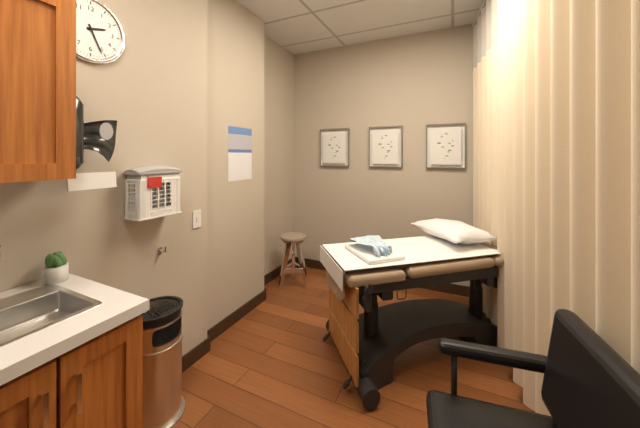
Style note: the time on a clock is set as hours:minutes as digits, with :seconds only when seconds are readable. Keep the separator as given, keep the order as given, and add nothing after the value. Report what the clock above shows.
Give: 2:26
